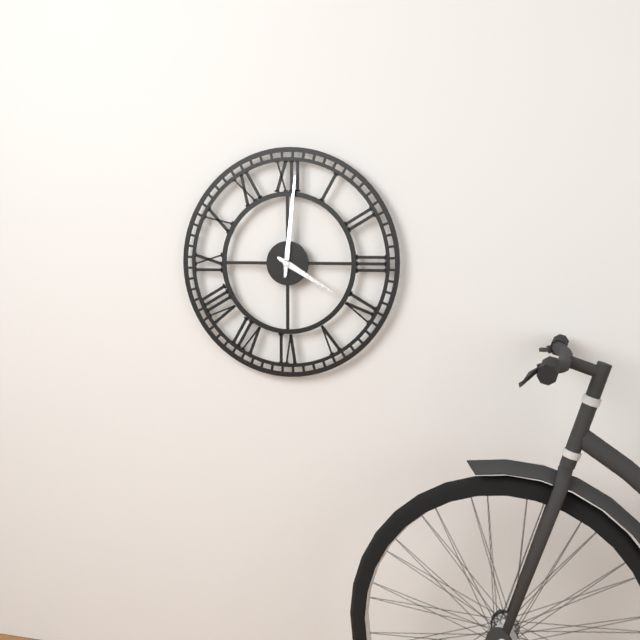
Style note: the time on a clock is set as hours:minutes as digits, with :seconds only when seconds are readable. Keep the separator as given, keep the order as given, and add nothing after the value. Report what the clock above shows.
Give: 4:01
